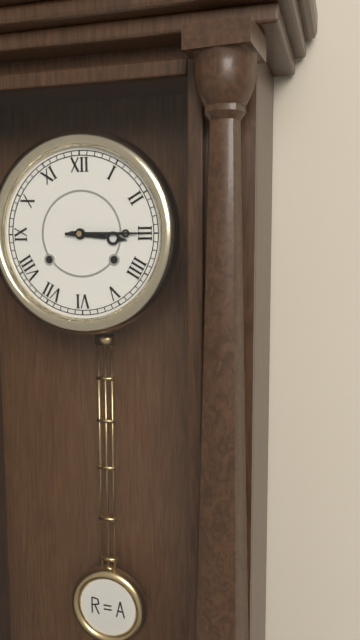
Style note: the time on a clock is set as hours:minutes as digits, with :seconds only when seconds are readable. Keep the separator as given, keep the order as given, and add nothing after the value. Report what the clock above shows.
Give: 3:15
